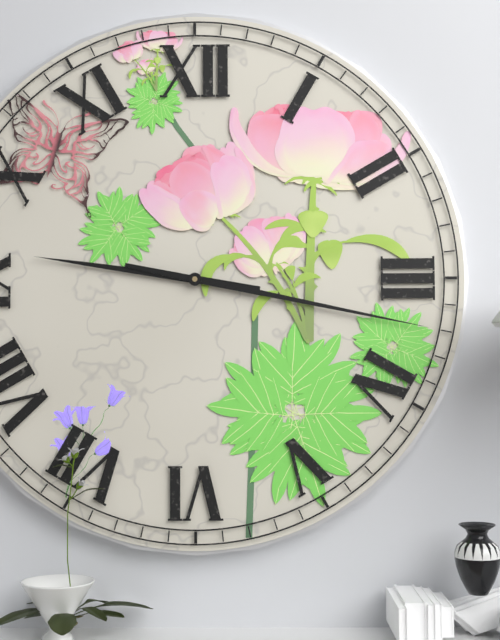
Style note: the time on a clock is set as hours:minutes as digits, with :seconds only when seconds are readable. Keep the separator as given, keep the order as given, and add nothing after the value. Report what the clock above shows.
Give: 9:17
